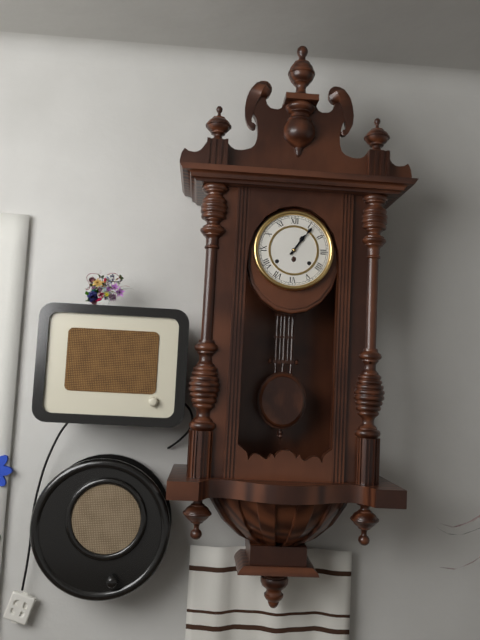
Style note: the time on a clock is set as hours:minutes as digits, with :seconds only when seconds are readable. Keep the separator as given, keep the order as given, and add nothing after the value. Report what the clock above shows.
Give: 1:06
